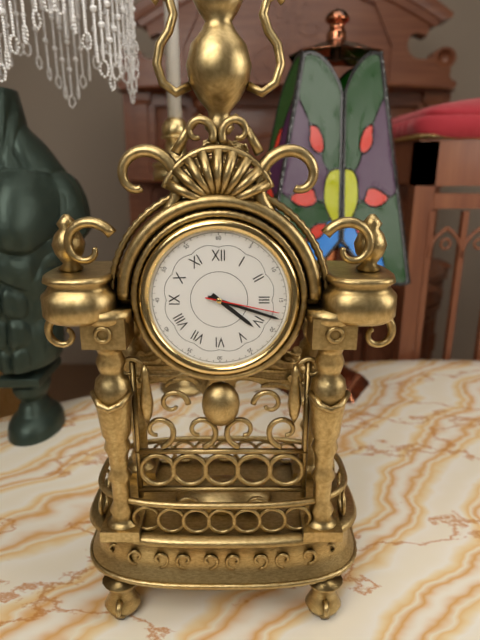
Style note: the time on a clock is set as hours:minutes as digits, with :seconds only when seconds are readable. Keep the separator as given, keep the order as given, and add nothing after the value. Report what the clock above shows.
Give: 4:18:17
